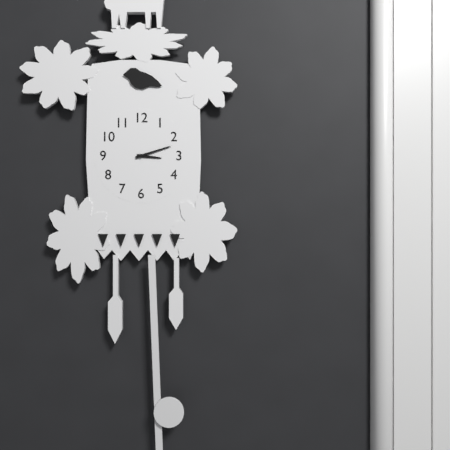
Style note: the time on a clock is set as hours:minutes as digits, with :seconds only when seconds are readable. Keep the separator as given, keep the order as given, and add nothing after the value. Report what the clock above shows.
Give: 3:12
